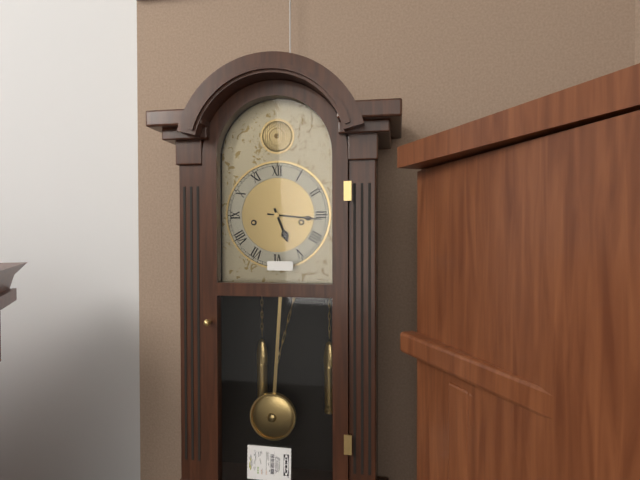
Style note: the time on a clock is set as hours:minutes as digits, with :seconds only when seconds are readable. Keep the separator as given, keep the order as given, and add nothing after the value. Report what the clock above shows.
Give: 5:16
